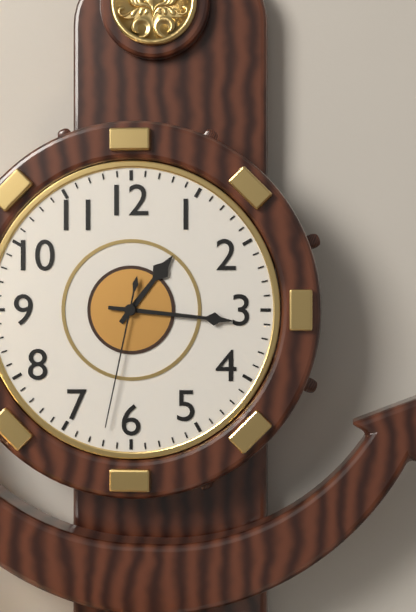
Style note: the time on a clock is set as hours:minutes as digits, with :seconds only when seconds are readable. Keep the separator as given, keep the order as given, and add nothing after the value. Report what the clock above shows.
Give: 1:16:32
